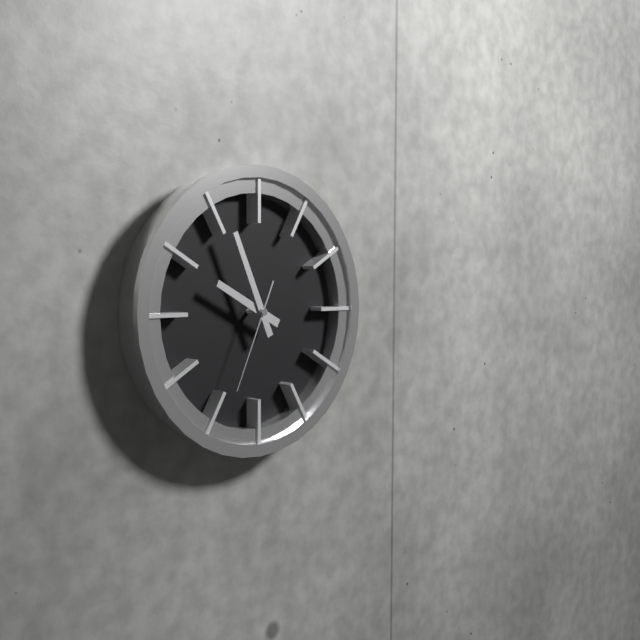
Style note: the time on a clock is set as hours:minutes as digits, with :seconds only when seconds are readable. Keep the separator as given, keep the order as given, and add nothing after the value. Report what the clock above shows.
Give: 9:56:34
